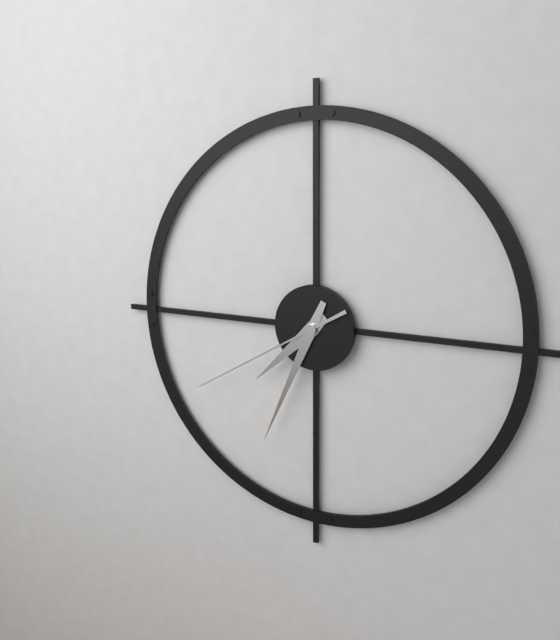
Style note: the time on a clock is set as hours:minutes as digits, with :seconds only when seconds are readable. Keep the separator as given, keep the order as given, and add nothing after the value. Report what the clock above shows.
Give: 7:34:40
